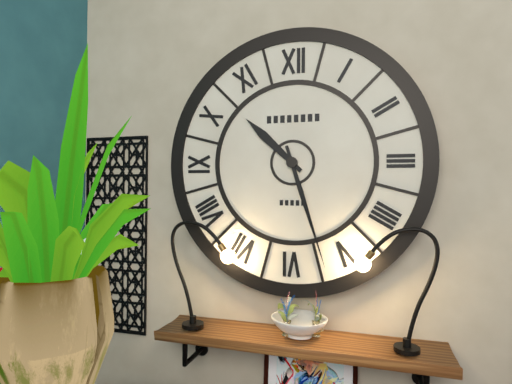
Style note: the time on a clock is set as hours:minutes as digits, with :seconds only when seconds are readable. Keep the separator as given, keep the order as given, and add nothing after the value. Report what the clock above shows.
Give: 10:27
